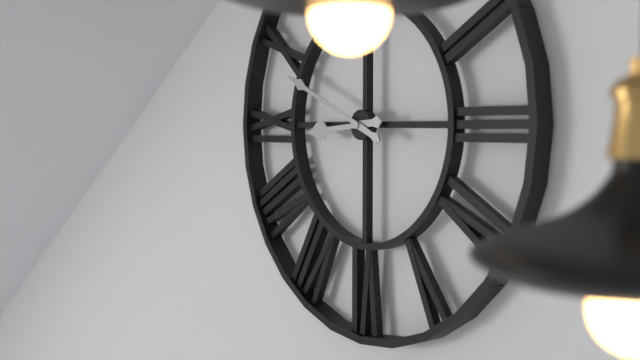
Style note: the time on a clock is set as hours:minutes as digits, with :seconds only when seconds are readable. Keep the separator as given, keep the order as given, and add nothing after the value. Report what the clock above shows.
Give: 8:49
